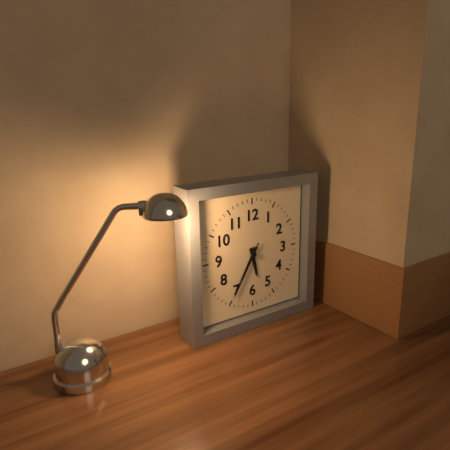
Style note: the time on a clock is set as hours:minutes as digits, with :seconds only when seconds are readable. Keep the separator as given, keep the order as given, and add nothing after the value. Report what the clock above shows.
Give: 5:35:35
